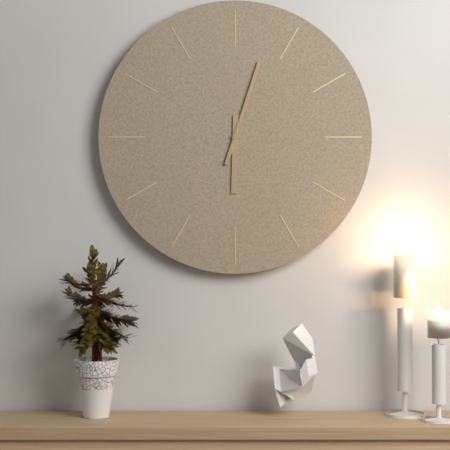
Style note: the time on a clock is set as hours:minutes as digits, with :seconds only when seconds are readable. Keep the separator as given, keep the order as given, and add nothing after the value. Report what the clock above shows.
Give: 6:03
